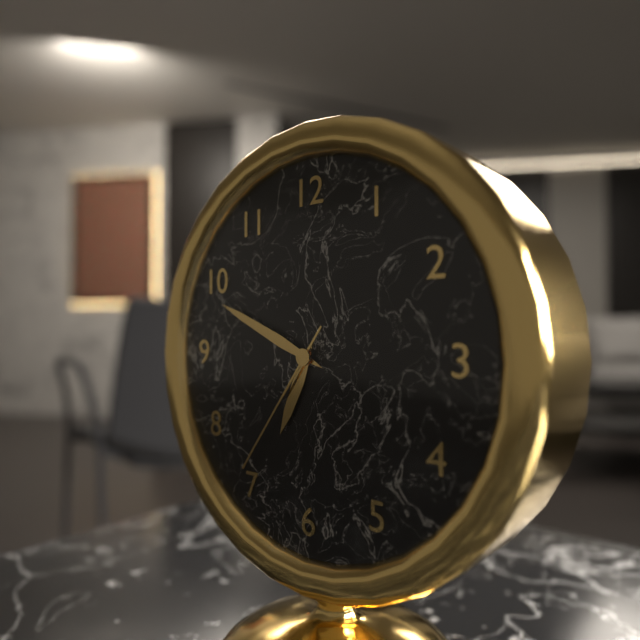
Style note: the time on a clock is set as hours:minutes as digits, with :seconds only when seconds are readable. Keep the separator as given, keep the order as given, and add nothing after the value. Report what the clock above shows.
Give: 6:49:36
